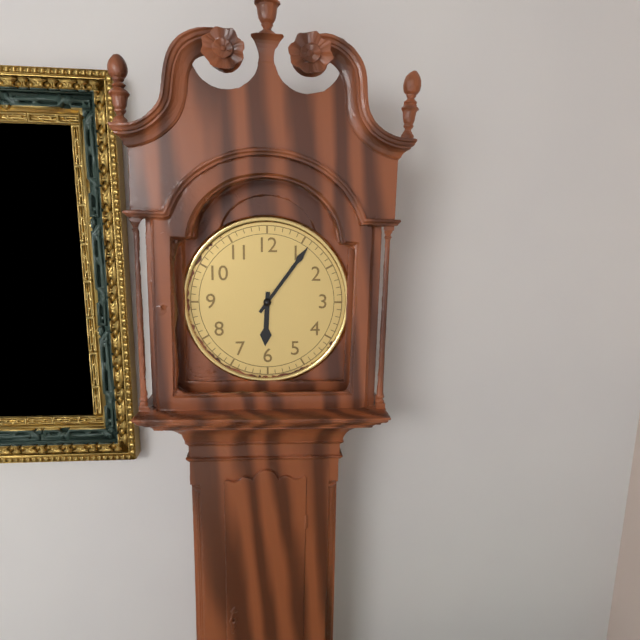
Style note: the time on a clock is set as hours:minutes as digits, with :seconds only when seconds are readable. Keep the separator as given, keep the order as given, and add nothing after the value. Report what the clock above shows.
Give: 6:06
